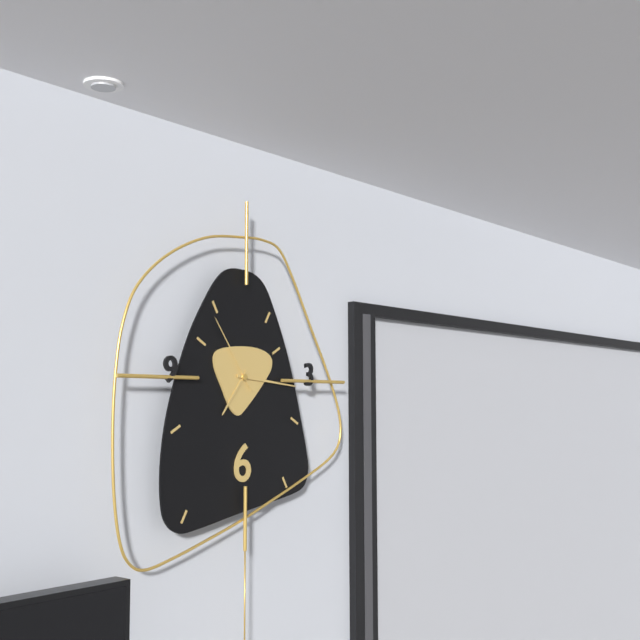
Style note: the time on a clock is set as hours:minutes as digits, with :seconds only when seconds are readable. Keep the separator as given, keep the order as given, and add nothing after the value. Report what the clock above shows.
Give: 7:16:54
